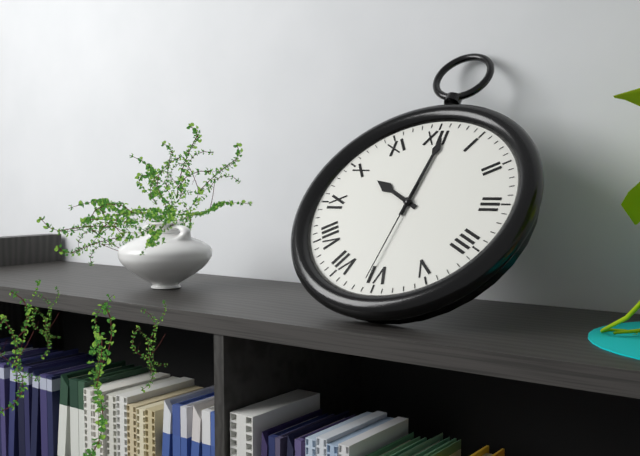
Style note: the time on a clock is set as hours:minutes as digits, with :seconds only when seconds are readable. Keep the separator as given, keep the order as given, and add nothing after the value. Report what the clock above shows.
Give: 10:01:31
